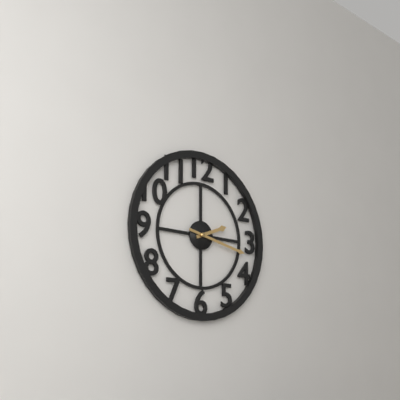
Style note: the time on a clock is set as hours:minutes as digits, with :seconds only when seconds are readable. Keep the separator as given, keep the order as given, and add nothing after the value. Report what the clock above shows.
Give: 2:17
